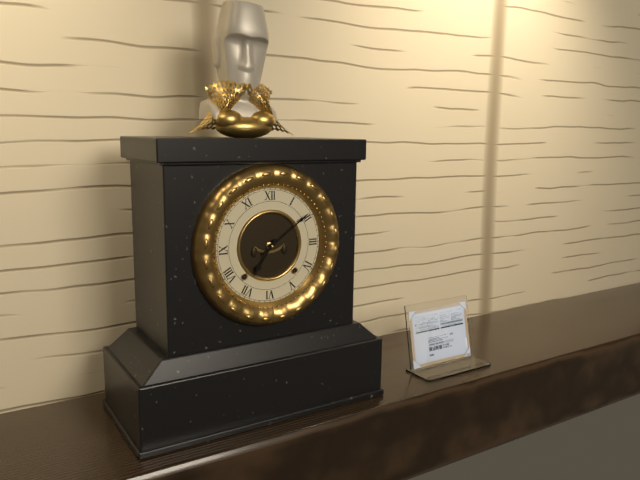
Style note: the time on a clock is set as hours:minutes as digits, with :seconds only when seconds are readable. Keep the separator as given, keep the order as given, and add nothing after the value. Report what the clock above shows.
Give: 7:09
